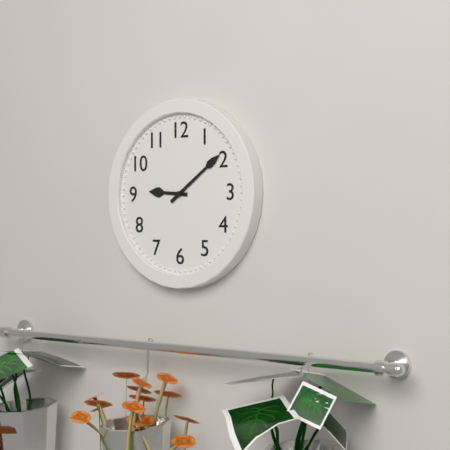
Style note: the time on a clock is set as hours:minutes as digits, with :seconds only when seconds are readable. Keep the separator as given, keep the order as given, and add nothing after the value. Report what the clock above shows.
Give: 9:09
